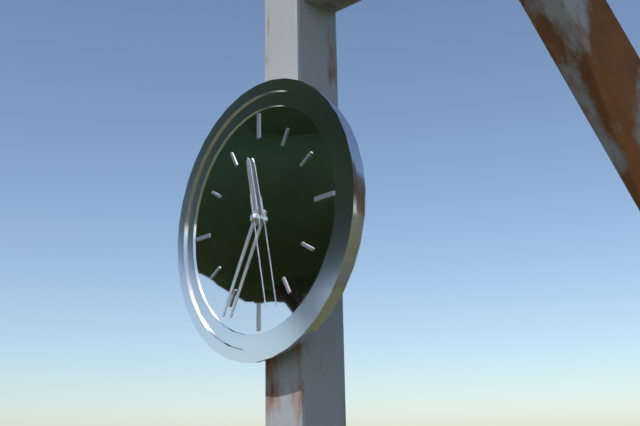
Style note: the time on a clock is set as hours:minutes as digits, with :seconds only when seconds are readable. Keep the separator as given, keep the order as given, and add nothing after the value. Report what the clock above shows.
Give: 11:35:28
